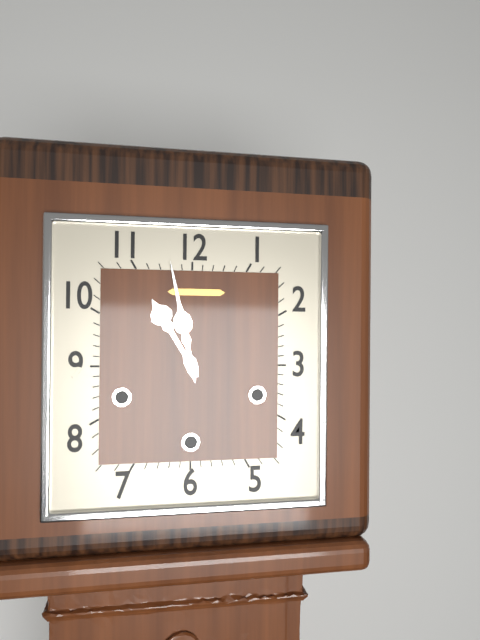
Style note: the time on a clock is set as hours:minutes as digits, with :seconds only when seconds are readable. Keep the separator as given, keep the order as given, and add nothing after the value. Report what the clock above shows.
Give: 10:58
